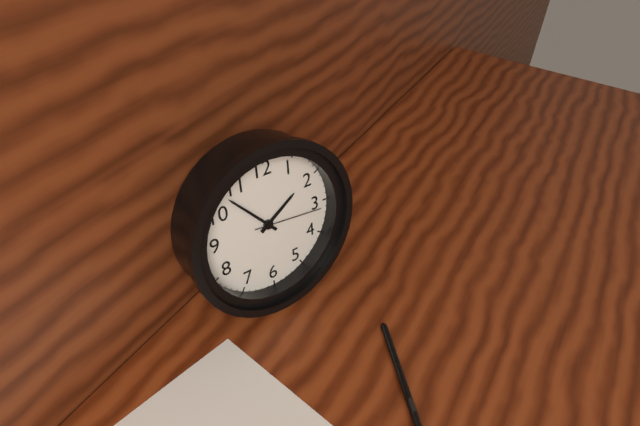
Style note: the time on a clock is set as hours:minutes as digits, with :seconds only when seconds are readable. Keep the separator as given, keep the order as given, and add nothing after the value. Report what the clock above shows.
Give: 1:53:16
